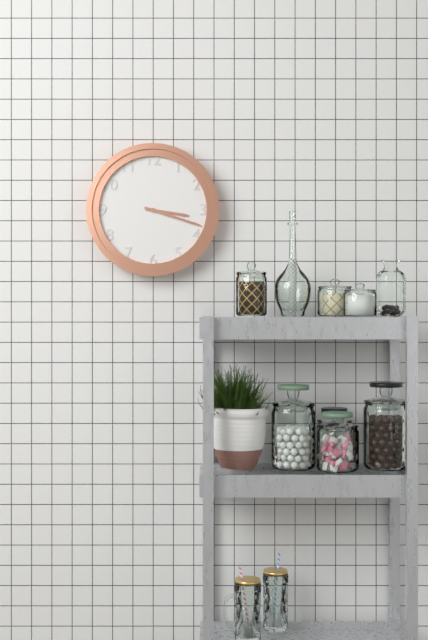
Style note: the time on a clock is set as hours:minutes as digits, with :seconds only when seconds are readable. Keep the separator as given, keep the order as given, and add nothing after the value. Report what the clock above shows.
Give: 3:18
